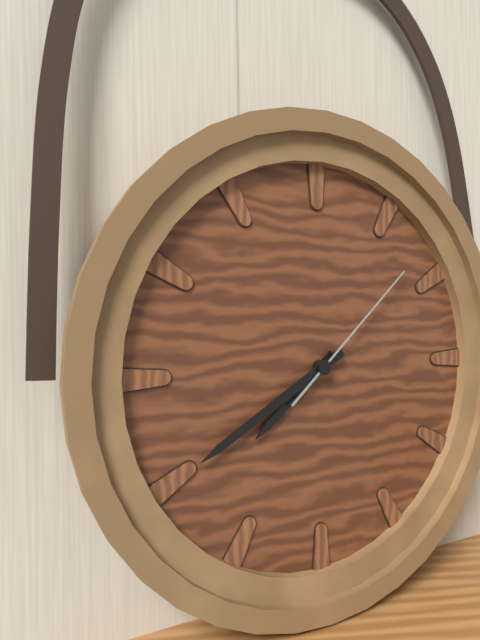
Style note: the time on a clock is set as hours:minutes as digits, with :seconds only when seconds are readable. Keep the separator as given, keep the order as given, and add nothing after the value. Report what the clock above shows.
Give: 7:40:08
